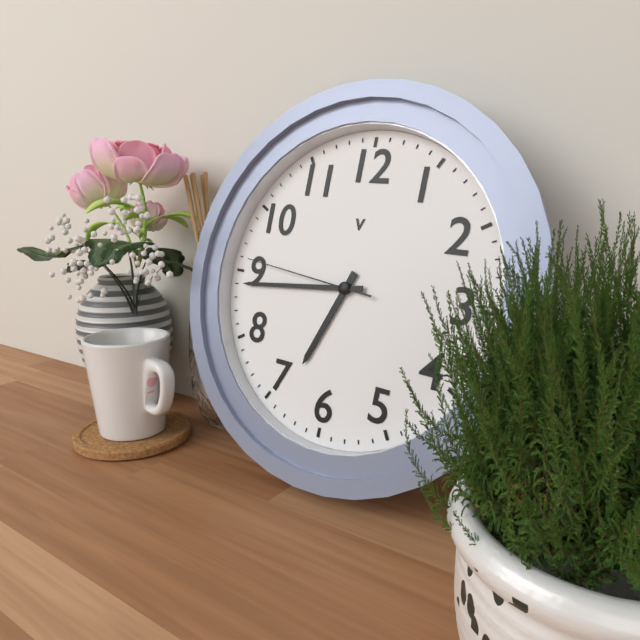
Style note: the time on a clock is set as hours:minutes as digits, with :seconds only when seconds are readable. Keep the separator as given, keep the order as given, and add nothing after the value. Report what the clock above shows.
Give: 6:44:46
